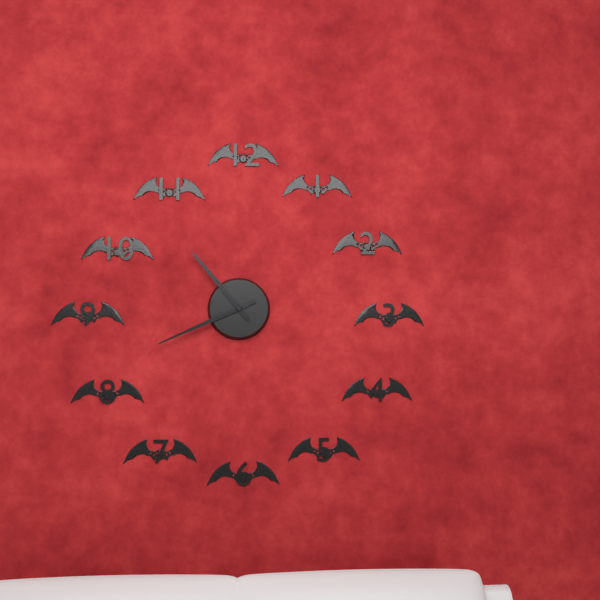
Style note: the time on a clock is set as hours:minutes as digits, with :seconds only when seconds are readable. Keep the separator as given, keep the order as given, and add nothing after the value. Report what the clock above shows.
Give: 10:41
